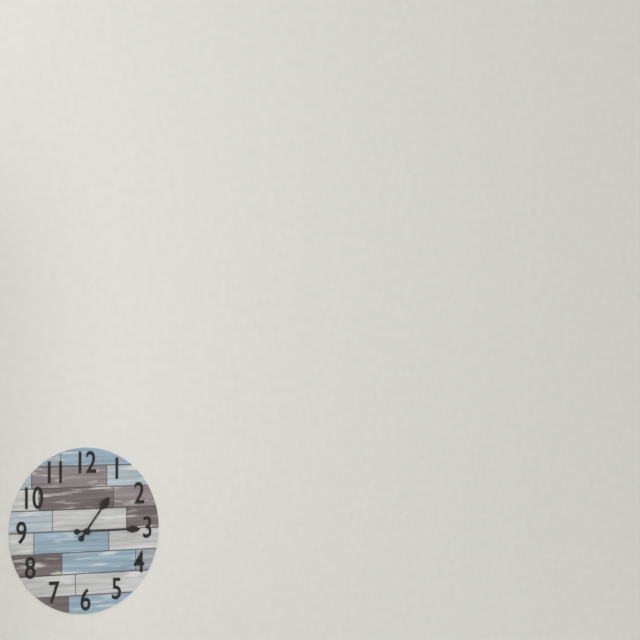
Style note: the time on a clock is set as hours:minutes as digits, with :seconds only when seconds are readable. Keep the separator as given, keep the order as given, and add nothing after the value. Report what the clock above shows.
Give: 1:15
